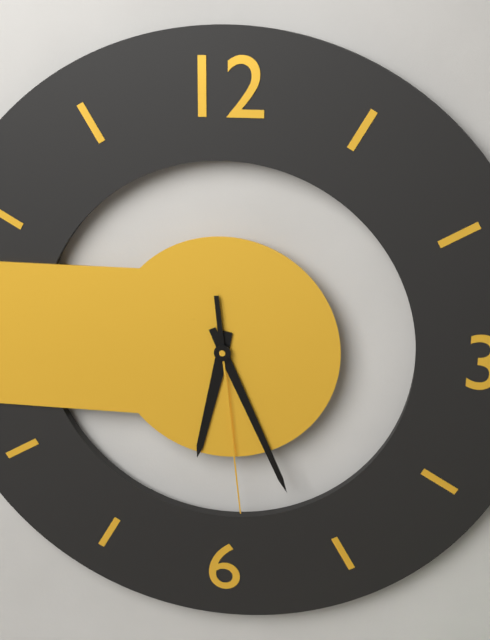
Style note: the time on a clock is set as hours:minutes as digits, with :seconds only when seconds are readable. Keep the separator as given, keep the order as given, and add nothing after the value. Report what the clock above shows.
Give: 6:26:29
